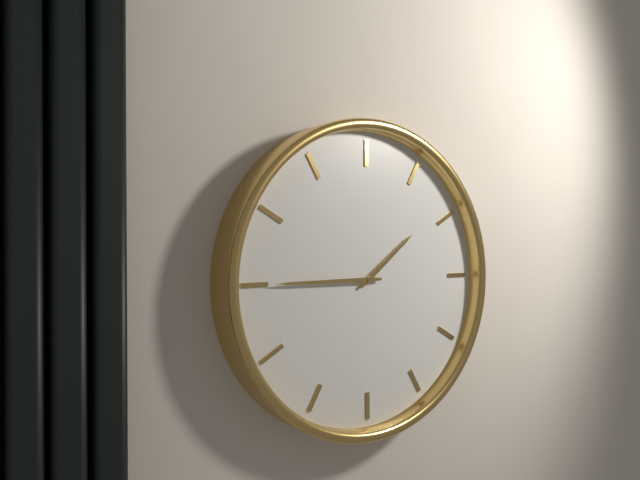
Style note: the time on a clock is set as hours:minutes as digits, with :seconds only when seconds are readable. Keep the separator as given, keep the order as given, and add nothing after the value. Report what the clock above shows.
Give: 1:45
